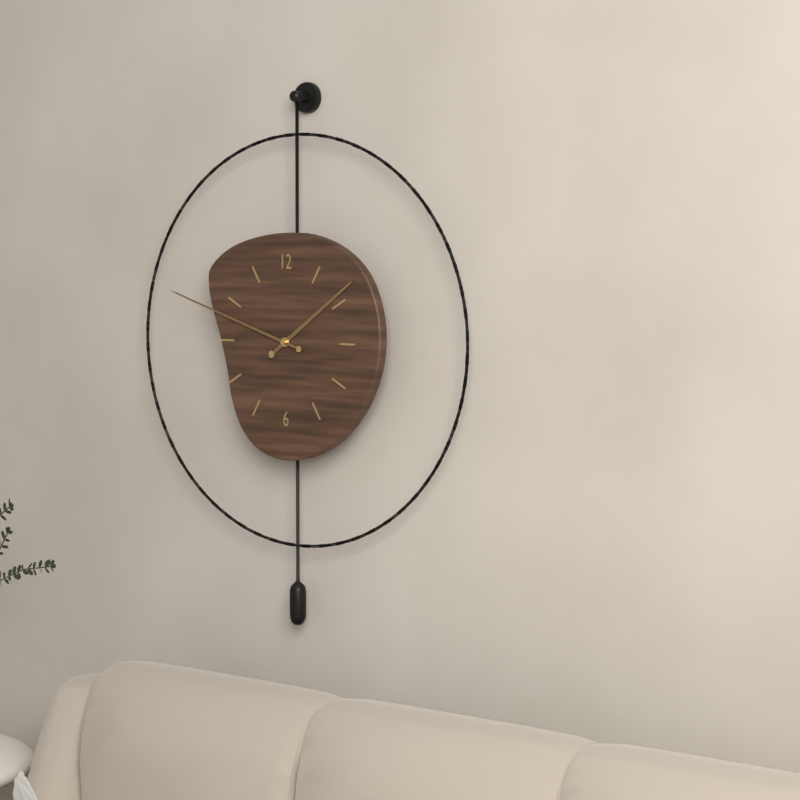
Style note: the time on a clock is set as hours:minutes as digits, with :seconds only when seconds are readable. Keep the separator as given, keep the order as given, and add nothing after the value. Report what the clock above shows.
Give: 1:48
